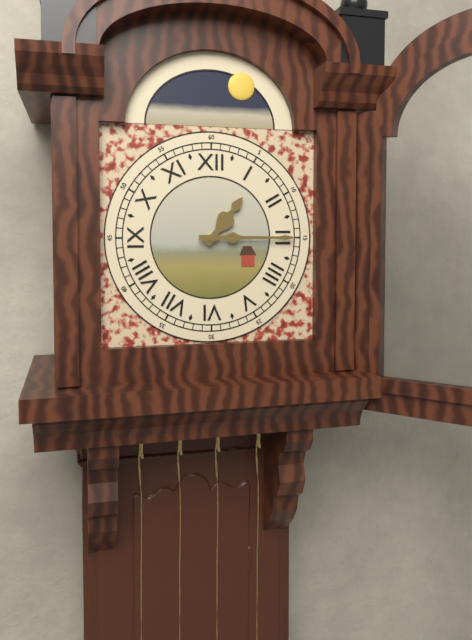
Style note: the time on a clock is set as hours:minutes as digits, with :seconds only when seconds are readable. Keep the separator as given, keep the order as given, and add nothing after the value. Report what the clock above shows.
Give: 1:15
